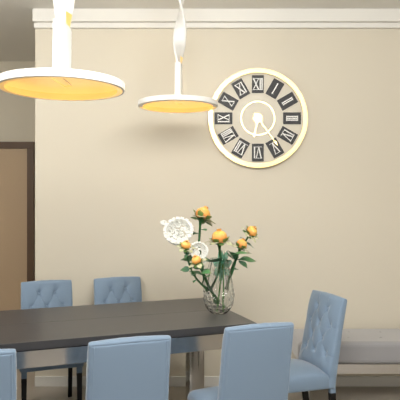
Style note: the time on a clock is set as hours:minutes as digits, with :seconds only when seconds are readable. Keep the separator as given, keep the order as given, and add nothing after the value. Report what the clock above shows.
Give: 6:24
